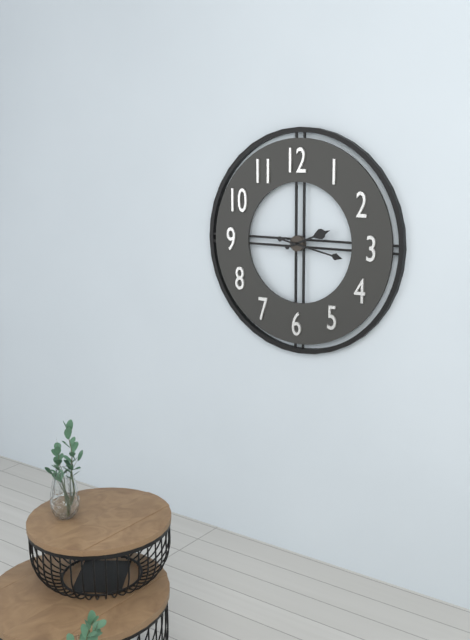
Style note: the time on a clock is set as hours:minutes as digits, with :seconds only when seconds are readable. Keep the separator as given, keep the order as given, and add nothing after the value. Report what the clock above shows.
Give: 2:17
